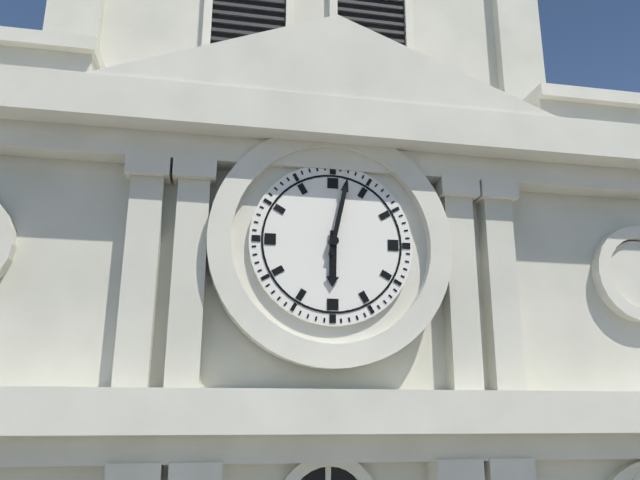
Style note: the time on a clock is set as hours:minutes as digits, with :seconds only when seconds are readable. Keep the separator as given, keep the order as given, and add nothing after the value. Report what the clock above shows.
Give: 6:02
